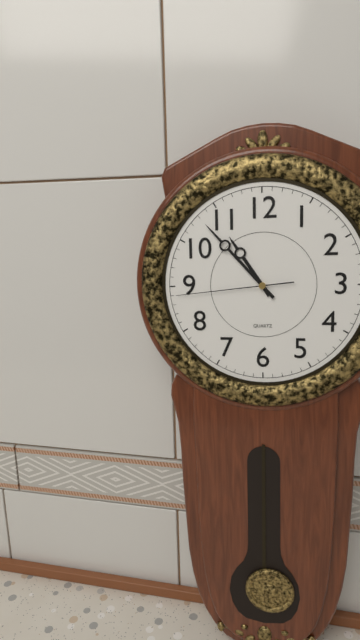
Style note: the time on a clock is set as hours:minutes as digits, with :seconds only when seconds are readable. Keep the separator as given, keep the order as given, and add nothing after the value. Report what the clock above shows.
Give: 10:53:44
